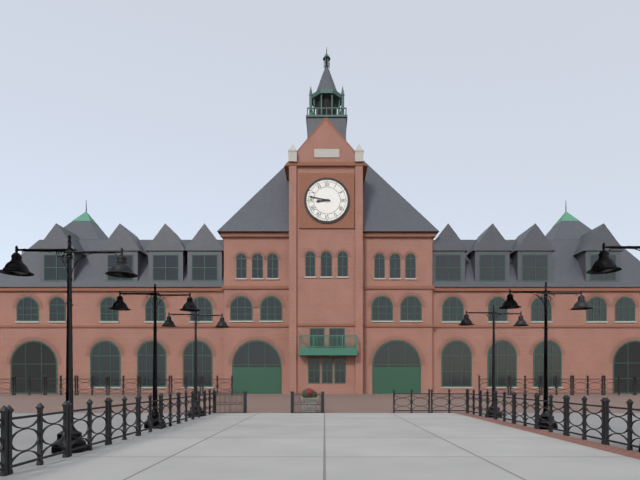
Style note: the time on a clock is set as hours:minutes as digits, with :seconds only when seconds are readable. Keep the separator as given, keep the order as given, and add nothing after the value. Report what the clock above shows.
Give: 8:47
